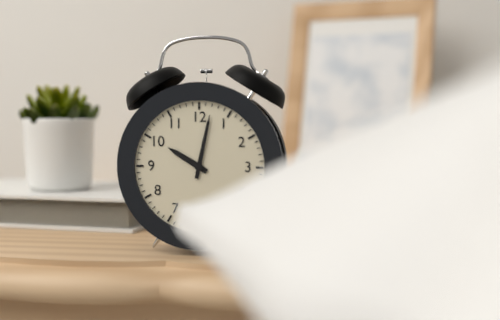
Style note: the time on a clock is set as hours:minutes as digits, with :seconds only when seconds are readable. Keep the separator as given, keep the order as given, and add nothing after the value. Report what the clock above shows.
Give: 10:02
